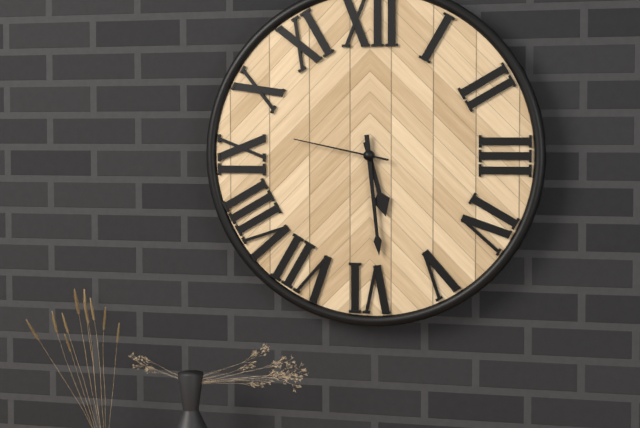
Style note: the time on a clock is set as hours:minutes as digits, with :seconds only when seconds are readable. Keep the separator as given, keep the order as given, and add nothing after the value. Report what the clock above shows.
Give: 5:29:47
